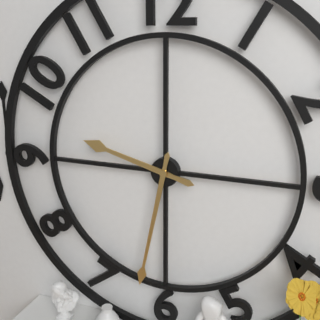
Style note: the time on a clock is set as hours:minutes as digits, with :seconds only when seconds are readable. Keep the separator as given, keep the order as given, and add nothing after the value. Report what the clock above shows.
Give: 9:32
